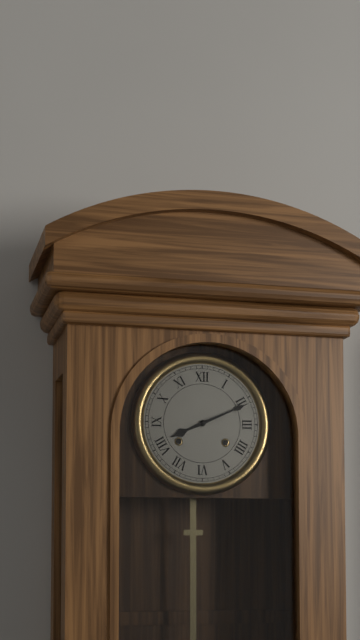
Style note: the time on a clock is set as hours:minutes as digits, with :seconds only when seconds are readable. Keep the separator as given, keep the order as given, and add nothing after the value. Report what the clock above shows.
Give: 8:11
